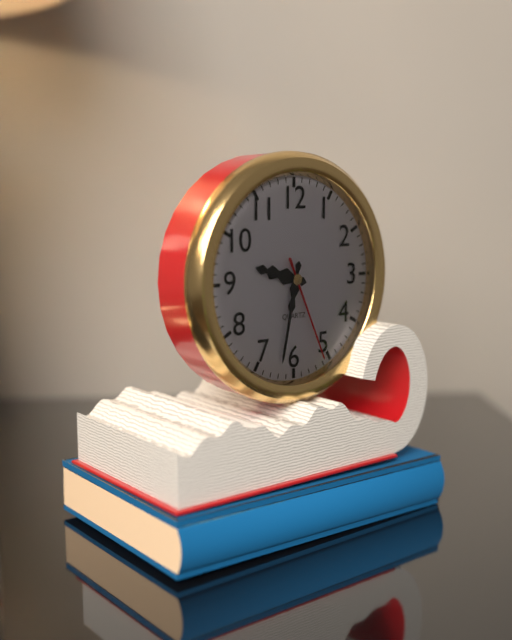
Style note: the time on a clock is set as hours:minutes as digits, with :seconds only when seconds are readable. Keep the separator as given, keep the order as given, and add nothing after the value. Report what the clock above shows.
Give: 9:32:26
